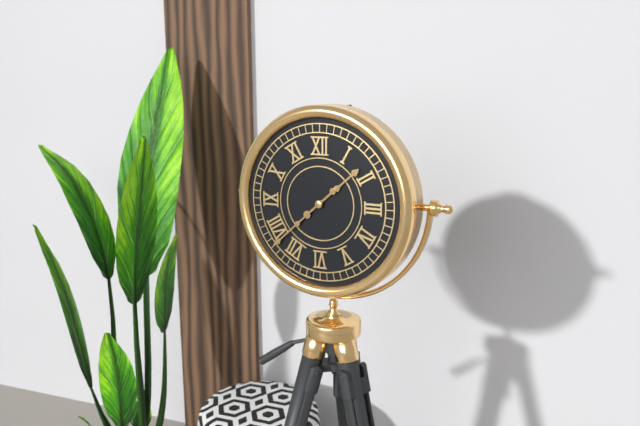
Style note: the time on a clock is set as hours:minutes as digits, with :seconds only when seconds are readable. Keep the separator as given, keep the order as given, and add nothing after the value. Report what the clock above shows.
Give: 1:38
